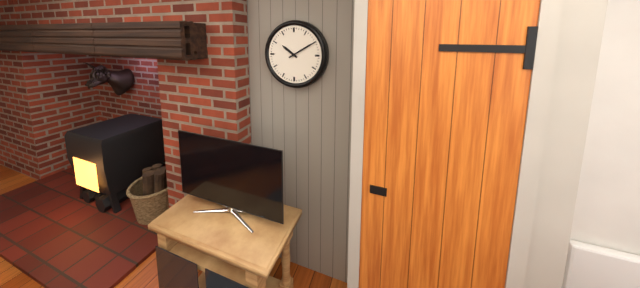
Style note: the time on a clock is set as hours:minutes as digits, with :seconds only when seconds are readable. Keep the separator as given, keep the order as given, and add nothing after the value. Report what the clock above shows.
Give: 10:10
